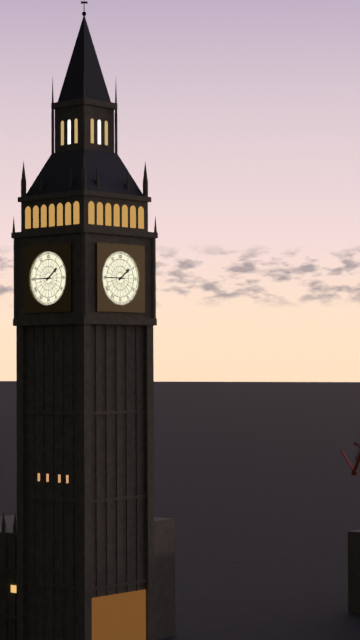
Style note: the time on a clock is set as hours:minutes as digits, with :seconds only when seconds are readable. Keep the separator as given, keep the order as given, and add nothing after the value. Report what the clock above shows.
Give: 1:45
